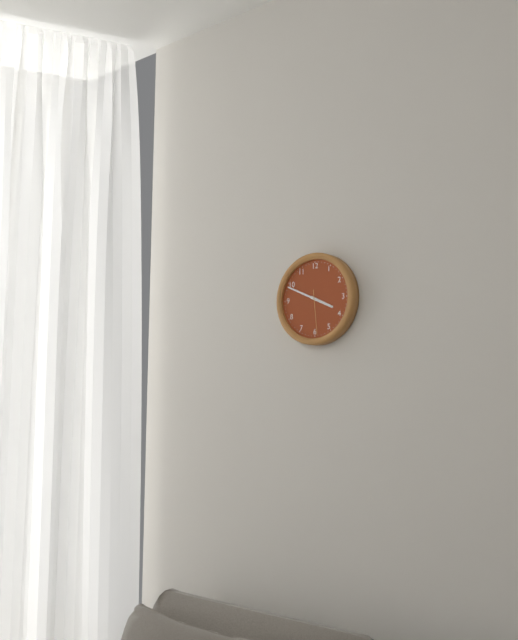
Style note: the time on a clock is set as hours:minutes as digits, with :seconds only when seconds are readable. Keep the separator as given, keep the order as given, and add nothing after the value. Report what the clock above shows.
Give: 3:49
